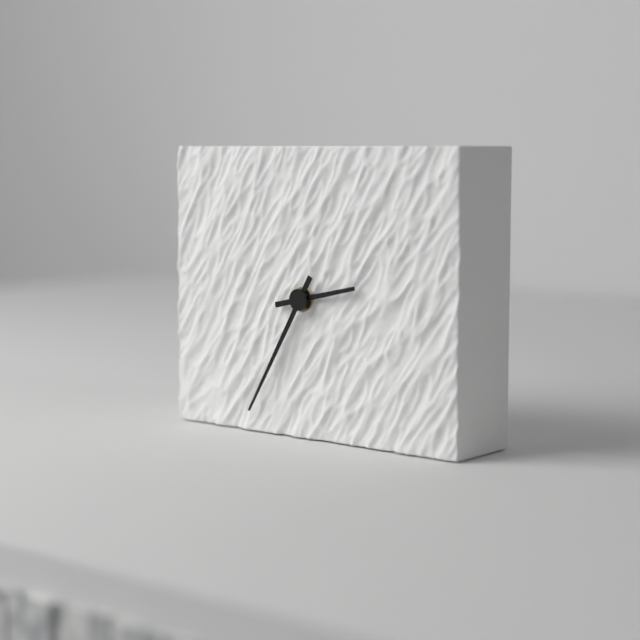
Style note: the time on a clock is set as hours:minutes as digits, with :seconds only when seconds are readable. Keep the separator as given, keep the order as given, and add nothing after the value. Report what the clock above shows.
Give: 2:35
